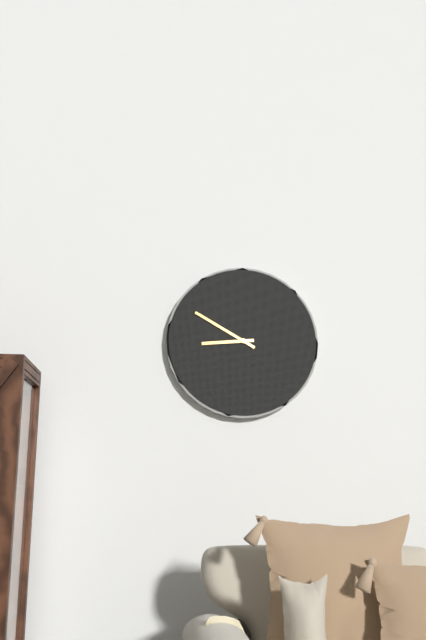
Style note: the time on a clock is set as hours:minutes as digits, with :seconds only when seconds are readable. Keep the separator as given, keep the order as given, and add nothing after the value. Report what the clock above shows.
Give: 8:50
